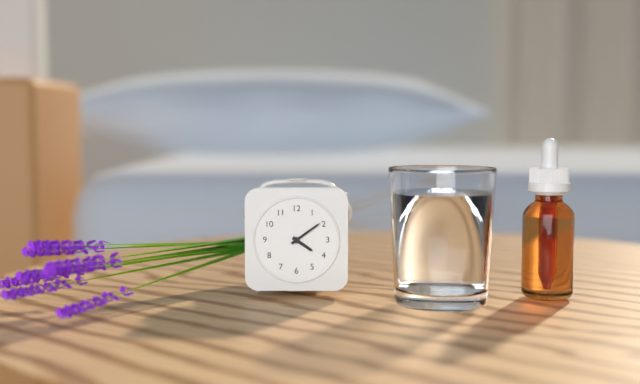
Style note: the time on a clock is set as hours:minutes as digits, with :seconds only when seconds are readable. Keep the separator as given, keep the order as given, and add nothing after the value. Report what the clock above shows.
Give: 4:09
